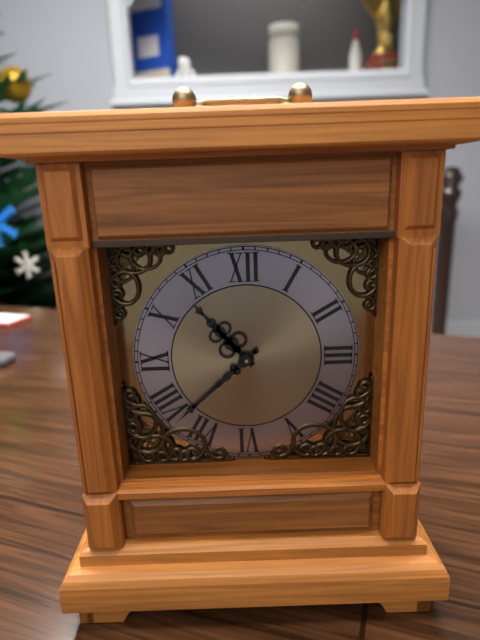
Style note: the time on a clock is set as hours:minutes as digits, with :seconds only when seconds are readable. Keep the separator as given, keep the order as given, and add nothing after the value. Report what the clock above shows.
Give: 10:38
